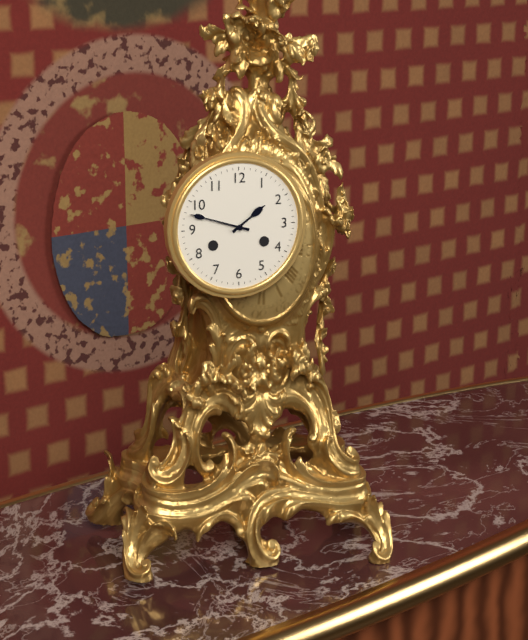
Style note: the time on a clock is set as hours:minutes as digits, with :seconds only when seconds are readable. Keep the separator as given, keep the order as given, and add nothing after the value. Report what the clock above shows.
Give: 1:48
